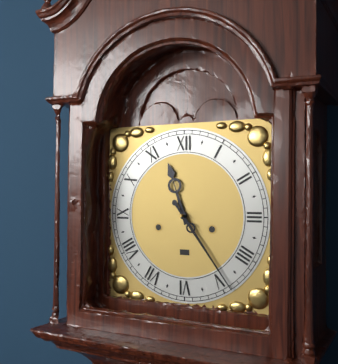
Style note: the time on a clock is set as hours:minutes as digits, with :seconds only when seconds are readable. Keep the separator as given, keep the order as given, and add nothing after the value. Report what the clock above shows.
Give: 11:24
